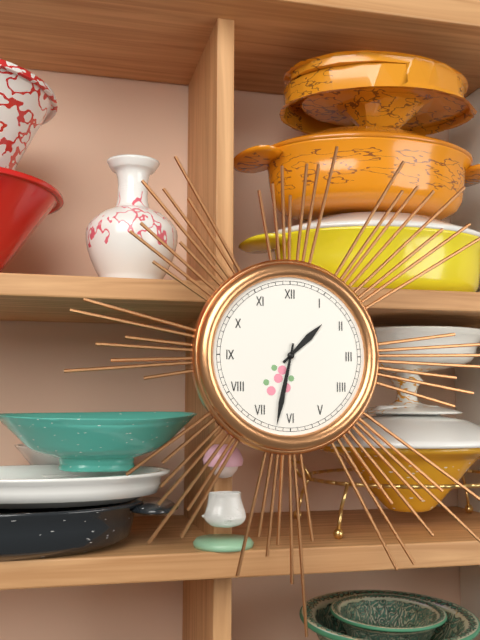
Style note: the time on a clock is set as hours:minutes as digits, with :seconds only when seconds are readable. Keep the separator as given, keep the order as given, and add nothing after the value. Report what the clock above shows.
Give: 1:32
